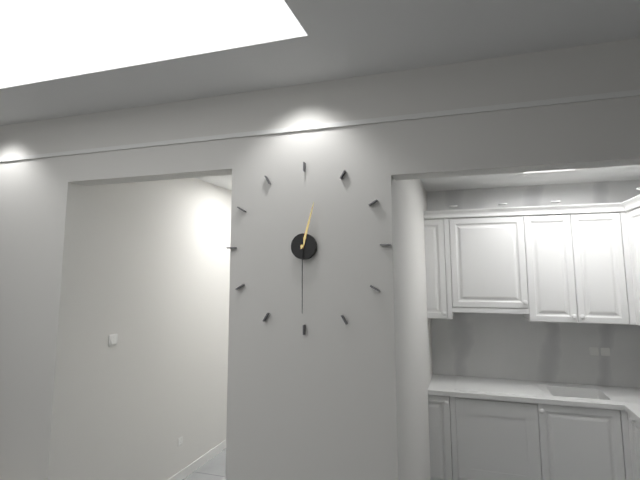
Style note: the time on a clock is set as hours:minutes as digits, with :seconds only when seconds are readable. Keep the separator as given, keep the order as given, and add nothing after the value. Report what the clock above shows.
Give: 12:30
